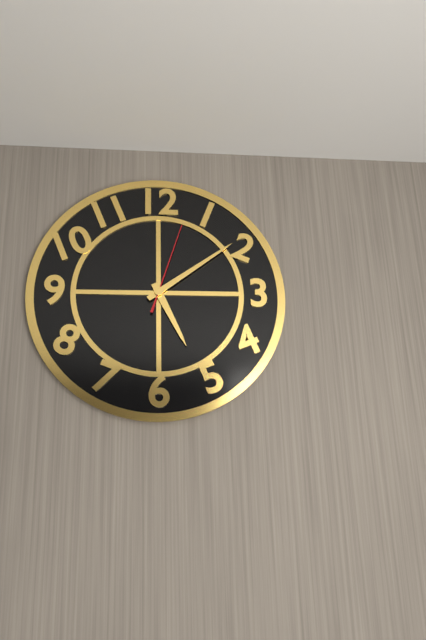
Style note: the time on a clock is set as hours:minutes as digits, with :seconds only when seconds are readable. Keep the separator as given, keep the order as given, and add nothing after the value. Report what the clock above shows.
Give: 5:09:03
